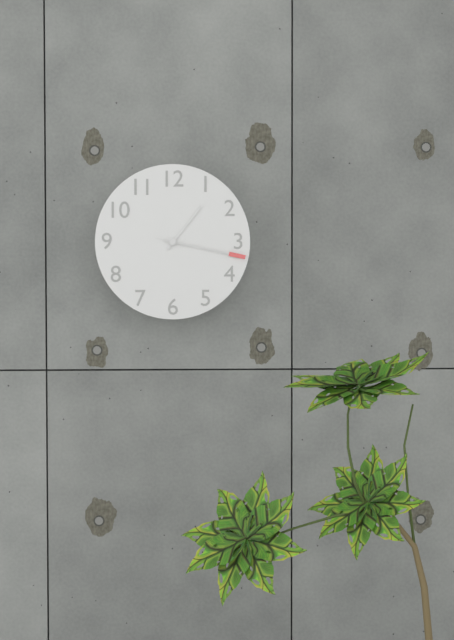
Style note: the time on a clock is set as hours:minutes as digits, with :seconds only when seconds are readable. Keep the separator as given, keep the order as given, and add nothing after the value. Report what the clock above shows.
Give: 1:17:17
